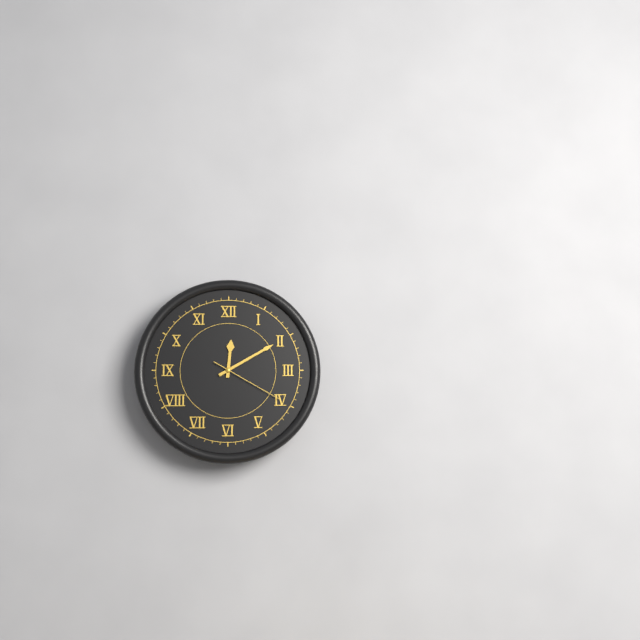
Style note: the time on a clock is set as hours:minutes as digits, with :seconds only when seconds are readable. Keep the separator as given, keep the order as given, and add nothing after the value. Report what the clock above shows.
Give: 12:10:20
